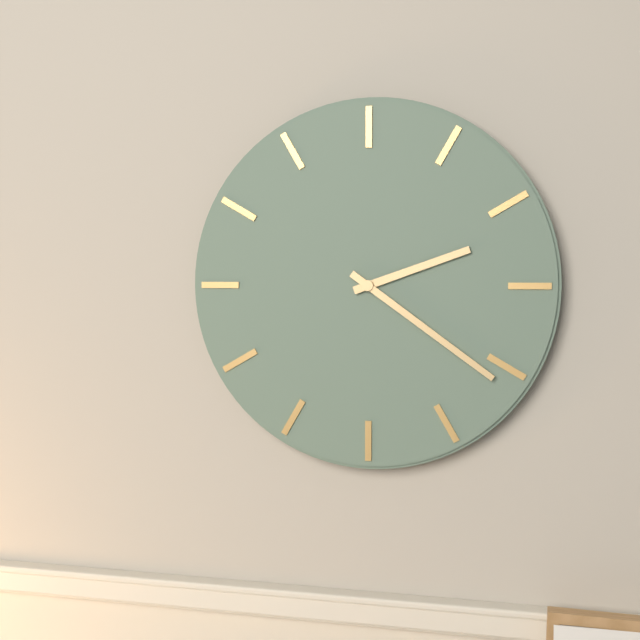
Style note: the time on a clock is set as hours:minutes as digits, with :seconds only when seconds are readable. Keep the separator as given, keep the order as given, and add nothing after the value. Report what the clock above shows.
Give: 2:21
